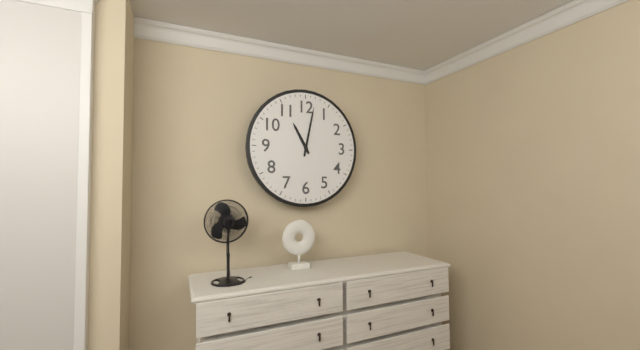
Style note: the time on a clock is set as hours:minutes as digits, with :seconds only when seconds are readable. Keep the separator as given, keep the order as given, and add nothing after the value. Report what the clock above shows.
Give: 11:02
